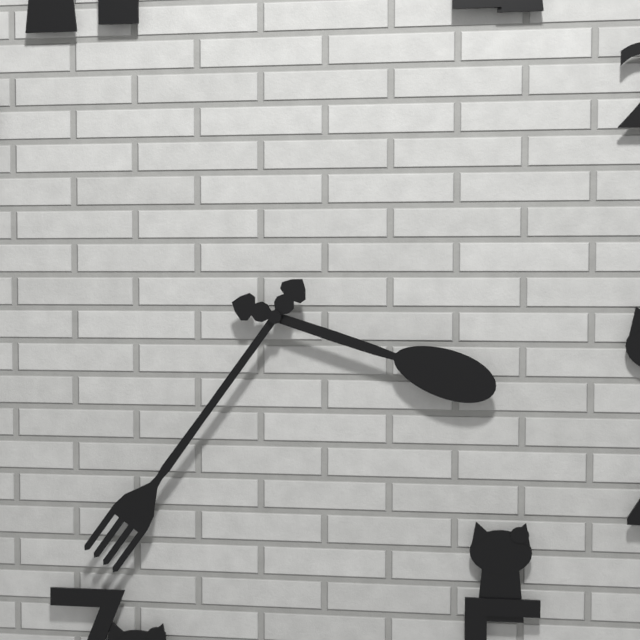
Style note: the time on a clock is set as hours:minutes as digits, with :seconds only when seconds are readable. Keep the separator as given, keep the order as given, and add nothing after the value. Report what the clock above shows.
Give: 3:36
